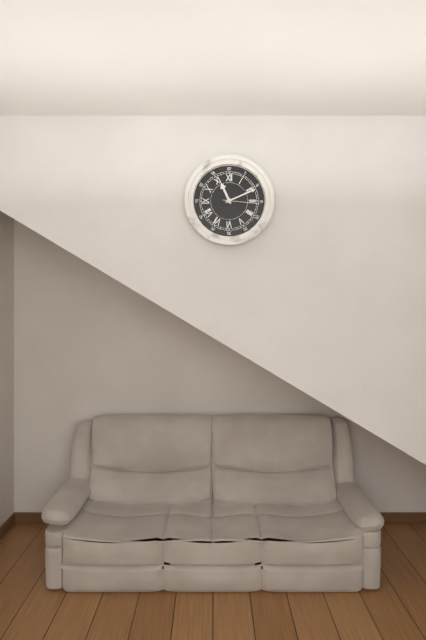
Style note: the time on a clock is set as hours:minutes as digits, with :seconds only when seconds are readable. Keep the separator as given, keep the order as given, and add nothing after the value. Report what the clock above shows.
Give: 11:11
